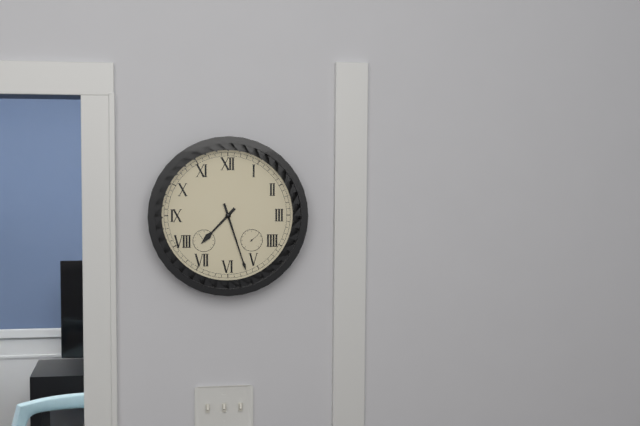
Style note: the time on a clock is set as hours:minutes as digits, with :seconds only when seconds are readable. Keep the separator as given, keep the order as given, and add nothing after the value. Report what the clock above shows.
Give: 7:27
